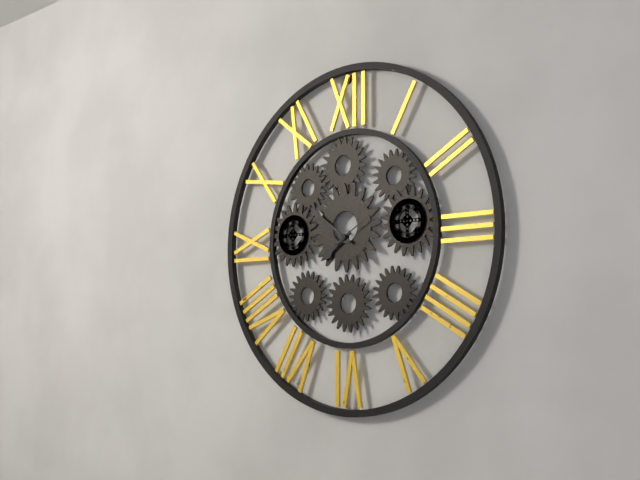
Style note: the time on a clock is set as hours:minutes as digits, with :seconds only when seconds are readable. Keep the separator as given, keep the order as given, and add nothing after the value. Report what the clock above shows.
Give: 7:51
